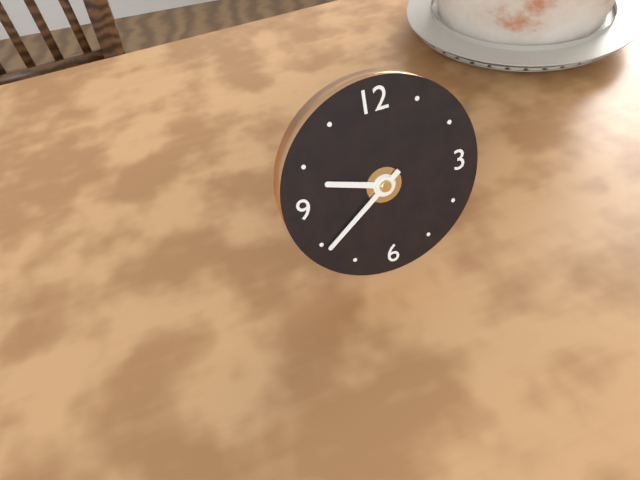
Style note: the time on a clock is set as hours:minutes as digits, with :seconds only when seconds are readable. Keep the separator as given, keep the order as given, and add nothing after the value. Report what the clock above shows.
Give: 9:39
